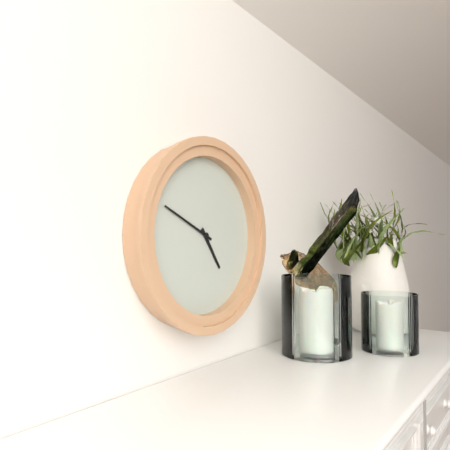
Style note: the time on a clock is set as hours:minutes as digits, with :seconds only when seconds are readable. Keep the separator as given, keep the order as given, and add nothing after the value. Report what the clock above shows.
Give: 4:49
